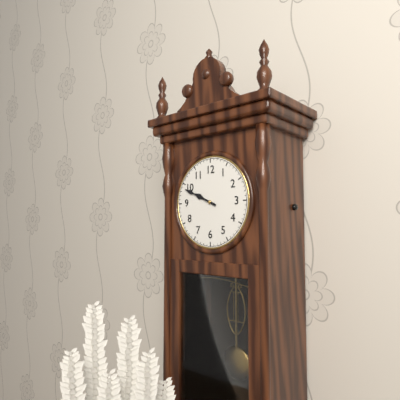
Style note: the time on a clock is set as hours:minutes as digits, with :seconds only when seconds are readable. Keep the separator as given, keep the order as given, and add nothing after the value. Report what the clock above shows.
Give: 9:49
